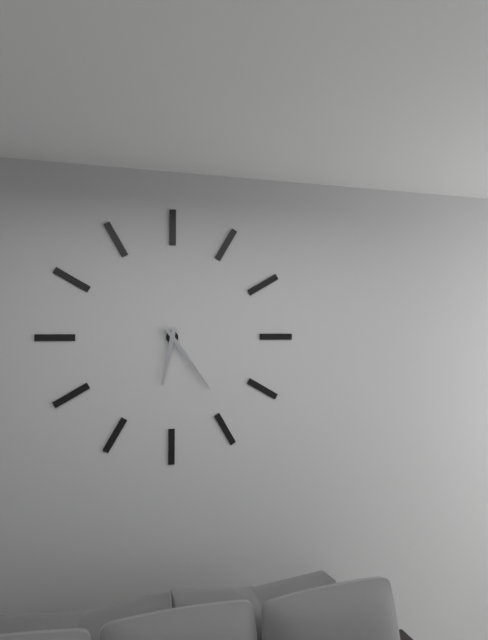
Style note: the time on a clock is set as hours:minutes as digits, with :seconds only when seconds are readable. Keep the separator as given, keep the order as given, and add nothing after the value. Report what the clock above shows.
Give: 6:24
